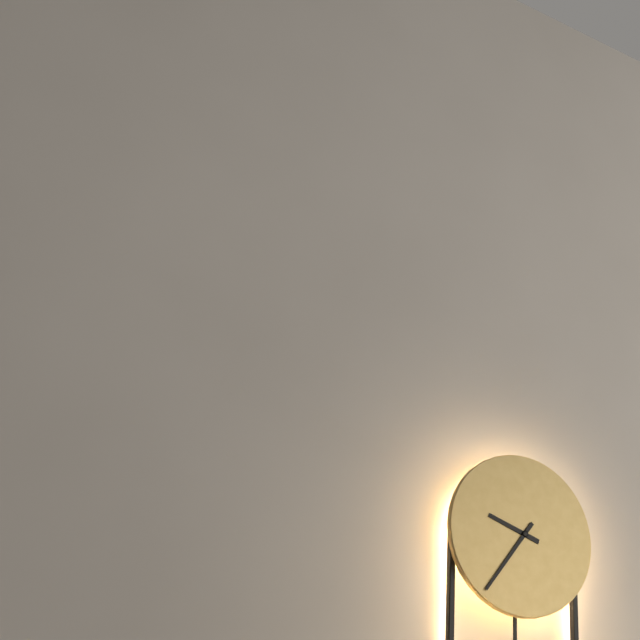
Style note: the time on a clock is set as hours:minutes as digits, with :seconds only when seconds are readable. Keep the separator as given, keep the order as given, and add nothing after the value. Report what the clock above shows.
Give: 9:36
